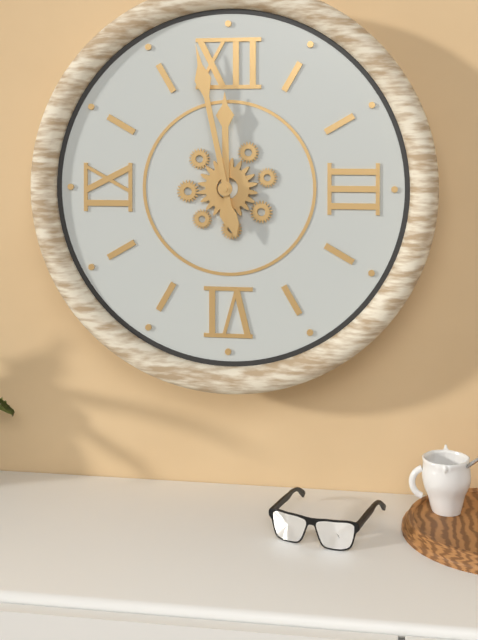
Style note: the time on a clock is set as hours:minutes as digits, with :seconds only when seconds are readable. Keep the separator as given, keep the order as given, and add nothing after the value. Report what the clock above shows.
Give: 11:58
